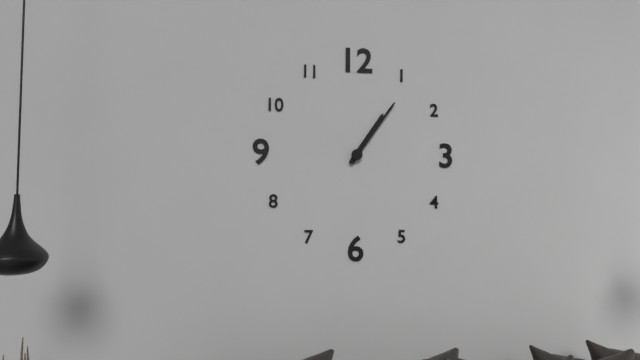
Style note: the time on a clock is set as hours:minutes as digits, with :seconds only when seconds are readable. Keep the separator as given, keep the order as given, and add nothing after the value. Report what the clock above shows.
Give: 1:06
